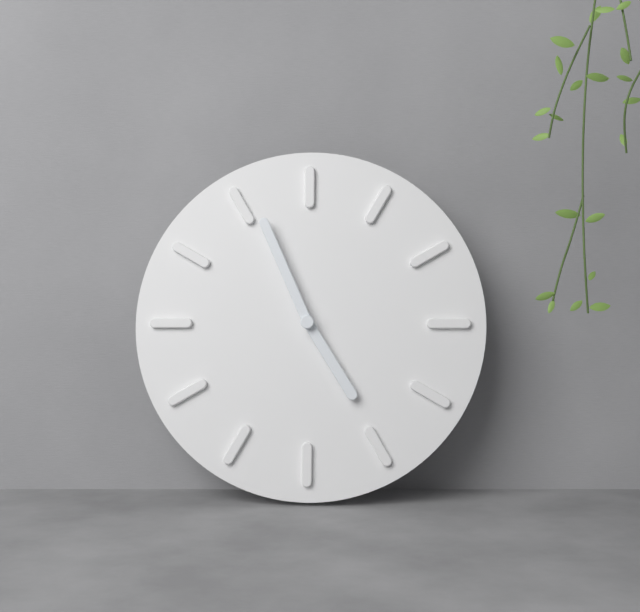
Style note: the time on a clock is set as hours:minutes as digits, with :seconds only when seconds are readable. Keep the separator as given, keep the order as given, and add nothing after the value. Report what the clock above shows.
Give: 4:56
